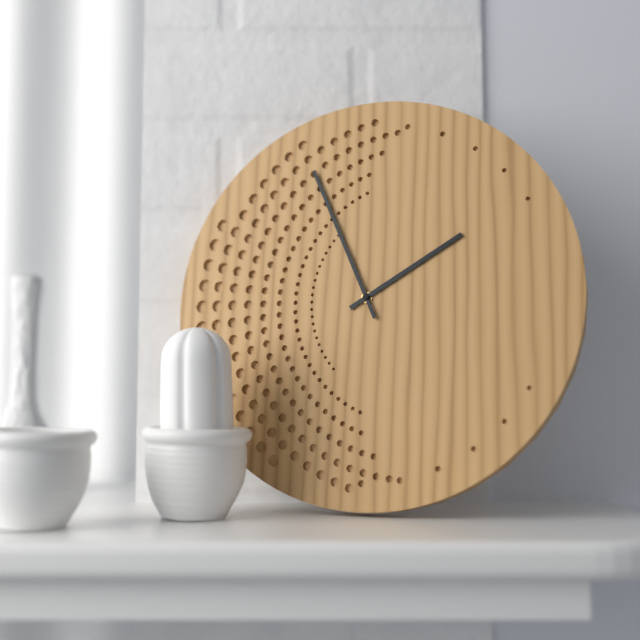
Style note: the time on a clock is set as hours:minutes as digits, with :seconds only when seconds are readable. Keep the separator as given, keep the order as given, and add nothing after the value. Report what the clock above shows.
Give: 1:56
